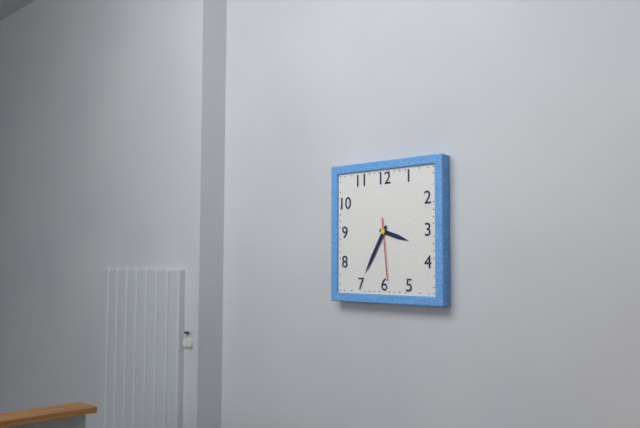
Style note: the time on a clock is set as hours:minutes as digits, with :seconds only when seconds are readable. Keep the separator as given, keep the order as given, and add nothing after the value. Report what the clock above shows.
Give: 3:35:29
